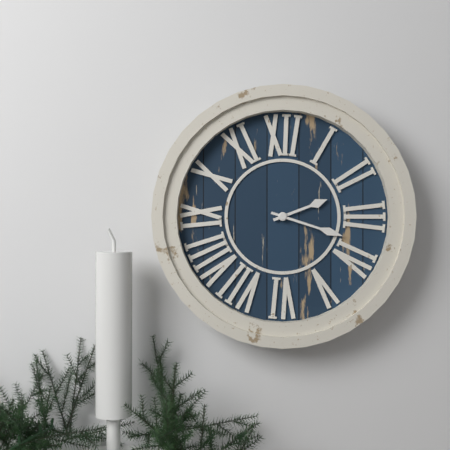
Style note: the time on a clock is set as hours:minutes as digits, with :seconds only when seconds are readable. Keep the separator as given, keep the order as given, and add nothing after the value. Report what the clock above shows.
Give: 2:18
